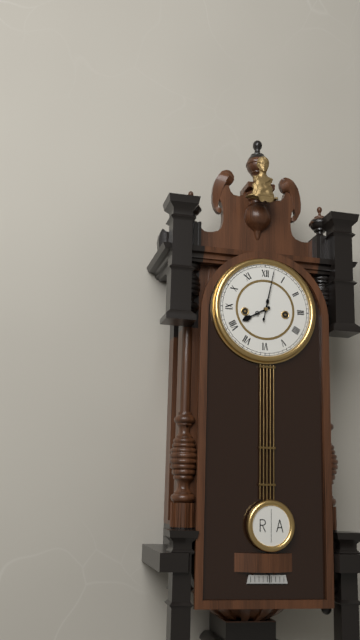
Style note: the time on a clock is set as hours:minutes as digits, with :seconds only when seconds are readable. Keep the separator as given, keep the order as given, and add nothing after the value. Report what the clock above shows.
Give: 8:02
